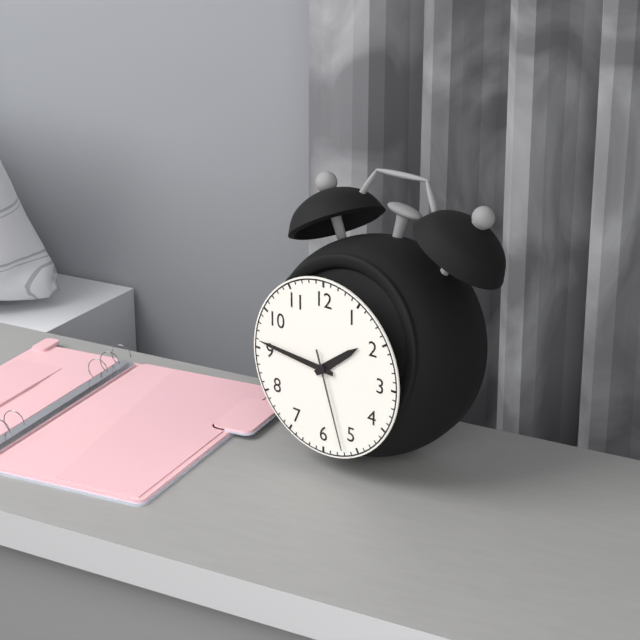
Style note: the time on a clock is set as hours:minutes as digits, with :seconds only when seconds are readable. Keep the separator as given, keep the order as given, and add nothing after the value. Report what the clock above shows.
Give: 1:46:27
